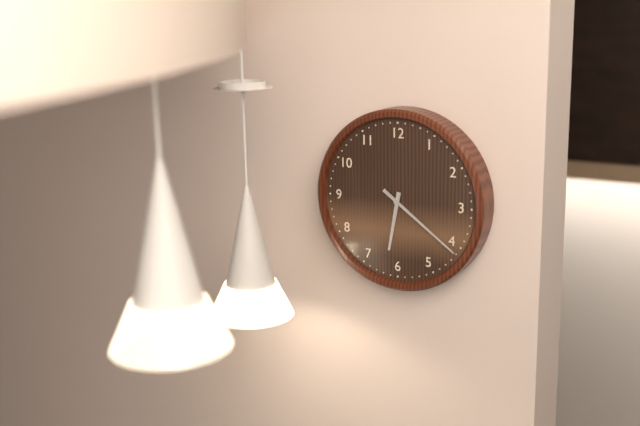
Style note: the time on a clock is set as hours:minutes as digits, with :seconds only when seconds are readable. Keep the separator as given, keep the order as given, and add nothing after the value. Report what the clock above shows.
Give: 6:21
